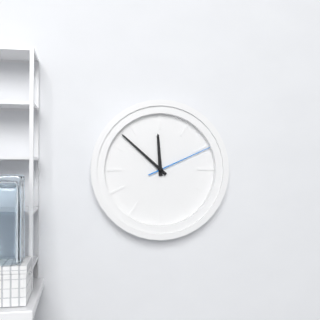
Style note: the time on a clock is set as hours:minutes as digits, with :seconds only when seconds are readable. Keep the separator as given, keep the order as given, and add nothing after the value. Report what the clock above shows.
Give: 11:52:11
